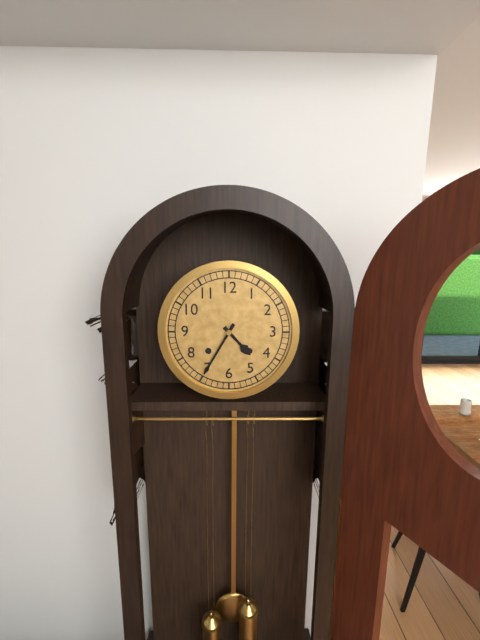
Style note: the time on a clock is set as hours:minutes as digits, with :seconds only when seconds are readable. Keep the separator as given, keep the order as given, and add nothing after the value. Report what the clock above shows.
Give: 4:35
